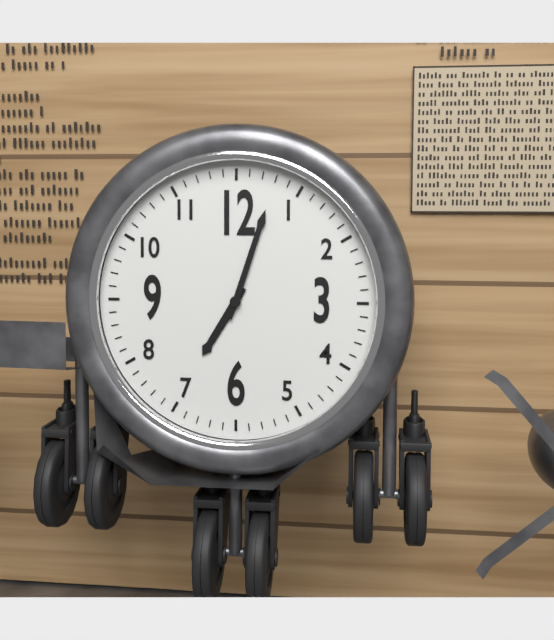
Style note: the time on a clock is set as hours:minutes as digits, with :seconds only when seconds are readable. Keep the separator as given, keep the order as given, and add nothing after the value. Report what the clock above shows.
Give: 7:03
